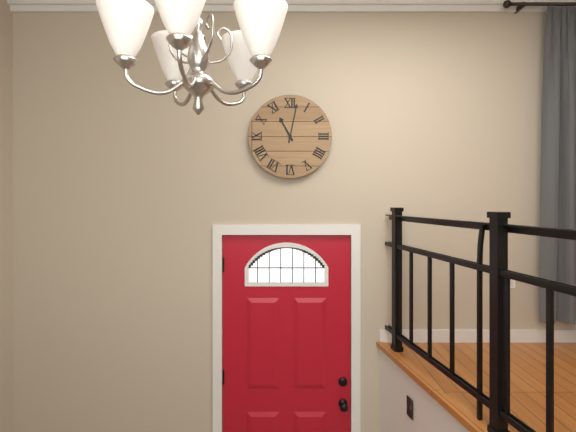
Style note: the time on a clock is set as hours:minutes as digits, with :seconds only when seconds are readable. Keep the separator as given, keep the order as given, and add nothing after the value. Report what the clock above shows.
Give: 11:02
